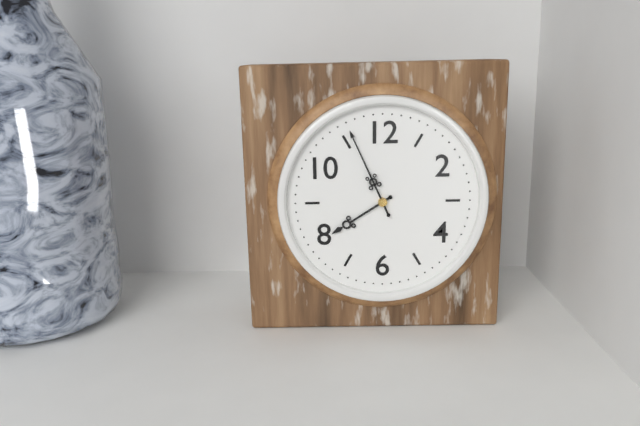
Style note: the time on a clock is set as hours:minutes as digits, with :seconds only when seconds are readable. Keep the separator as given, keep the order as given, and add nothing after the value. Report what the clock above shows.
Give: 7:56
